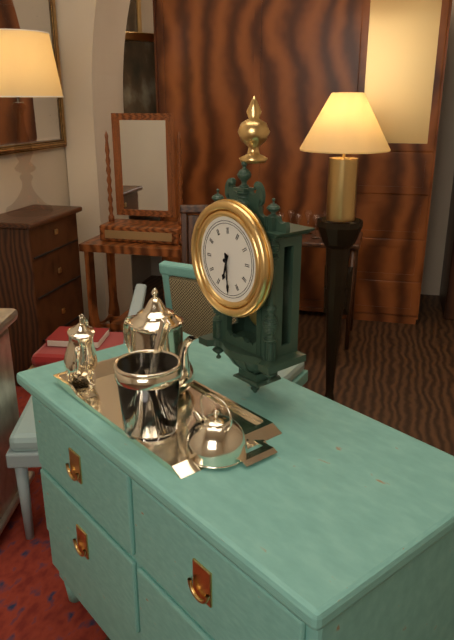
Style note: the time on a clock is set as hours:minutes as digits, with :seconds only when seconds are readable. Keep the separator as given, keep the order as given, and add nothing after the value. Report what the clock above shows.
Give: 6:29
